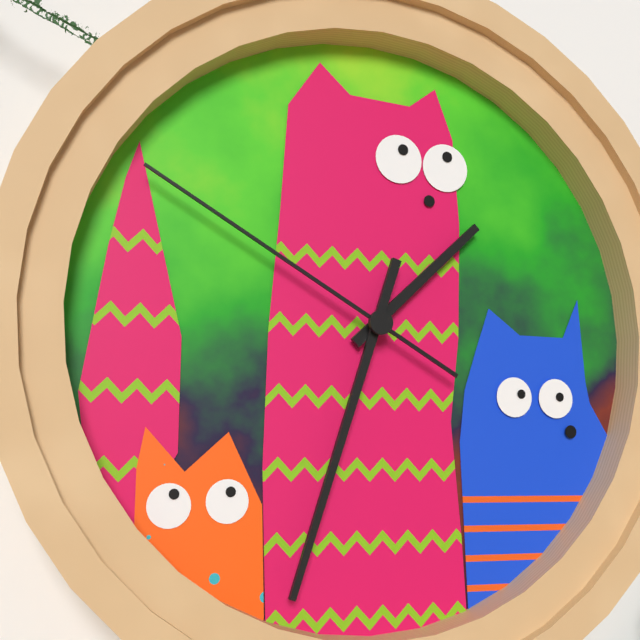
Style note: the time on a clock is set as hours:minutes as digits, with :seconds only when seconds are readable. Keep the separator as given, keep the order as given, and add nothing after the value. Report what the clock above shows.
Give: 1:33:50
